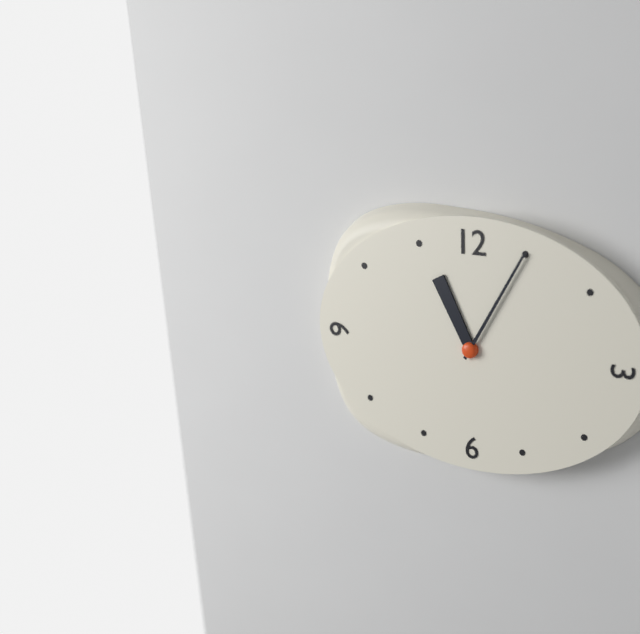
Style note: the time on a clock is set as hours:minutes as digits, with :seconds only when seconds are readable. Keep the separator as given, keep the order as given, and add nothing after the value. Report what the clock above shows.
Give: 11:05
